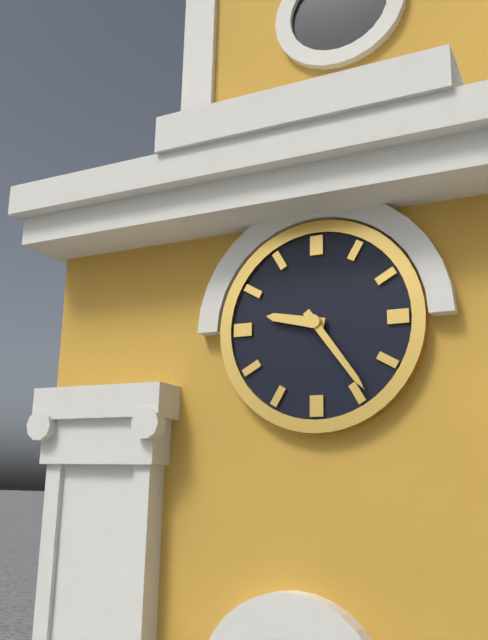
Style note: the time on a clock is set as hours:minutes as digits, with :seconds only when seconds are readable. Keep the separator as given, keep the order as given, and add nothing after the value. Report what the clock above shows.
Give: 9:24
